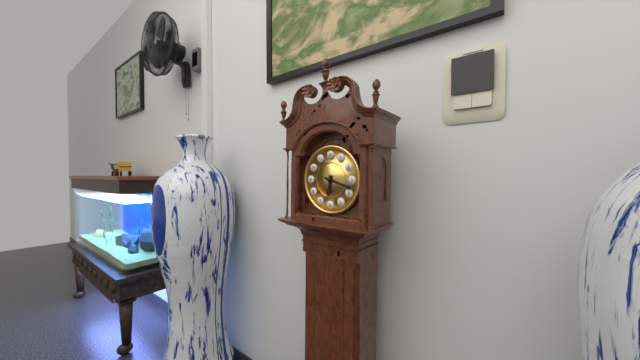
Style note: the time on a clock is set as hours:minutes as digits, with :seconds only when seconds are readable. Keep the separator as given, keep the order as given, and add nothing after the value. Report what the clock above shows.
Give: 6:18
